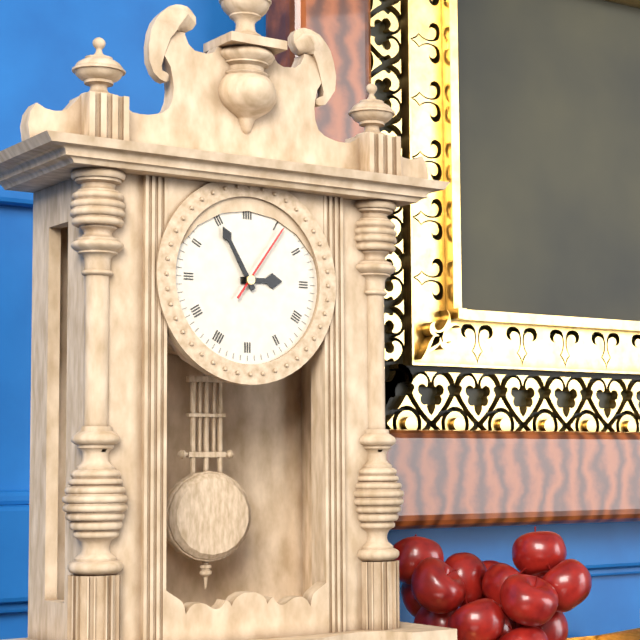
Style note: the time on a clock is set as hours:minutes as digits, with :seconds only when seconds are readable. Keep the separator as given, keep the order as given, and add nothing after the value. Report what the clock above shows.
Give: 2:55:06
